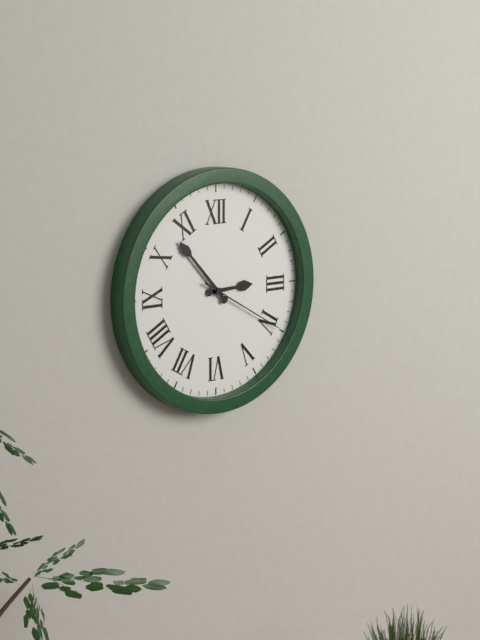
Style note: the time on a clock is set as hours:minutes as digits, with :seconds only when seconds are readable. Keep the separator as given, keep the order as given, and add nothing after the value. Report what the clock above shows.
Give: 2:53:20
